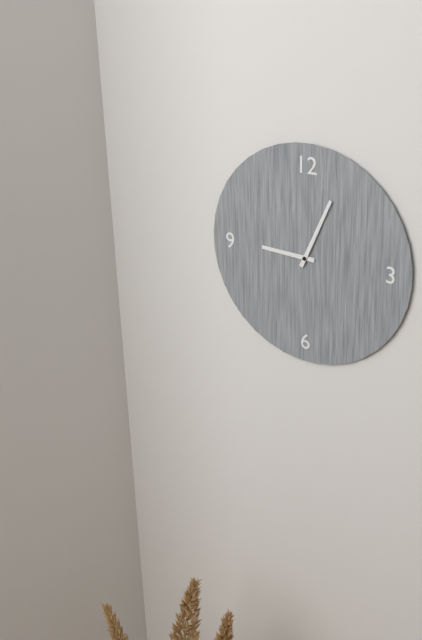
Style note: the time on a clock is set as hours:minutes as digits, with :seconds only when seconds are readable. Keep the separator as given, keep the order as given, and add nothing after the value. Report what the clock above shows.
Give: 9:04
